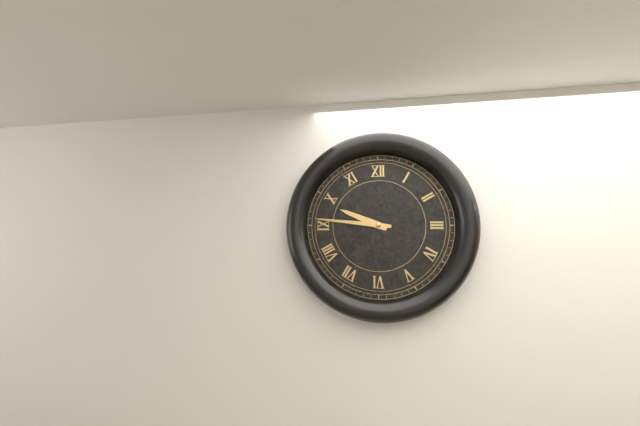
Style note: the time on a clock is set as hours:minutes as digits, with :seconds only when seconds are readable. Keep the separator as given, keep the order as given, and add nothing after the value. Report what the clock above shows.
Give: 9:46
